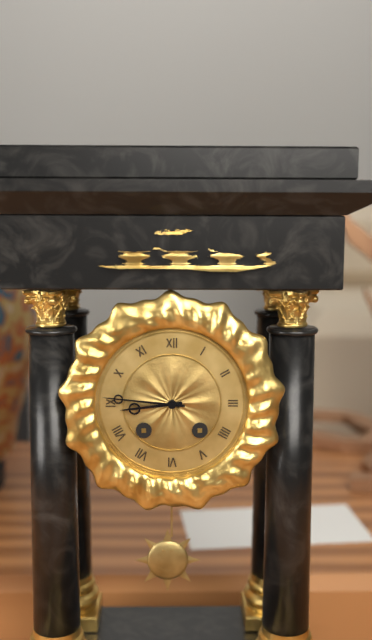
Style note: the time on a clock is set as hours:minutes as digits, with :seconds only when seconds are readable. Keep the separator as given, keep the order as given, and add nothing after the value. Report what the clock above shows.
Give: 8:46
